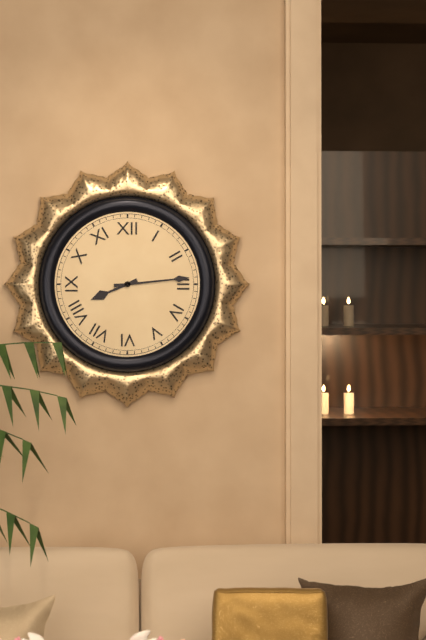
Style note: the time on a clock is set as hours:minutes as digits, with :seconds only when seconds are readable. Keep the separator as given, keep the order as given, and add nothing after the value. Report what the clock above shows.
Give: 8:14
